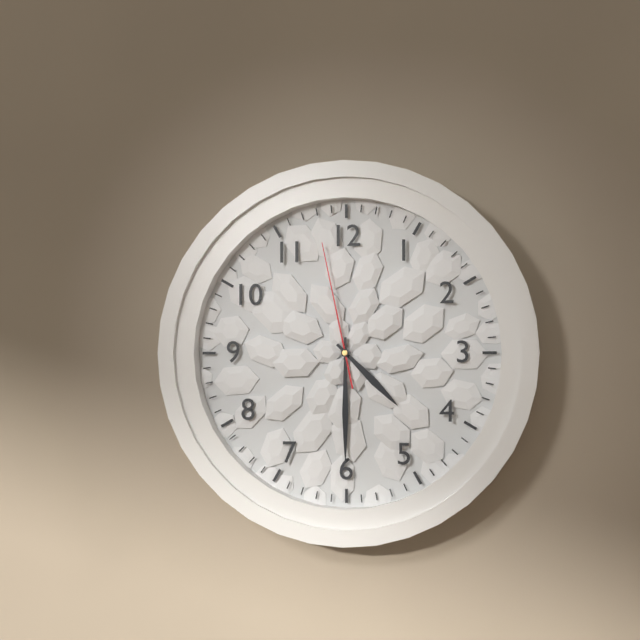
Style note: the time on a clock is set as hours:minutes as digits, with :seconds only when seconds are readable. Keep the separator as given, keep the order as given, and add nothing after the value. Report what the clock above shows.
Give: 4:30:58
